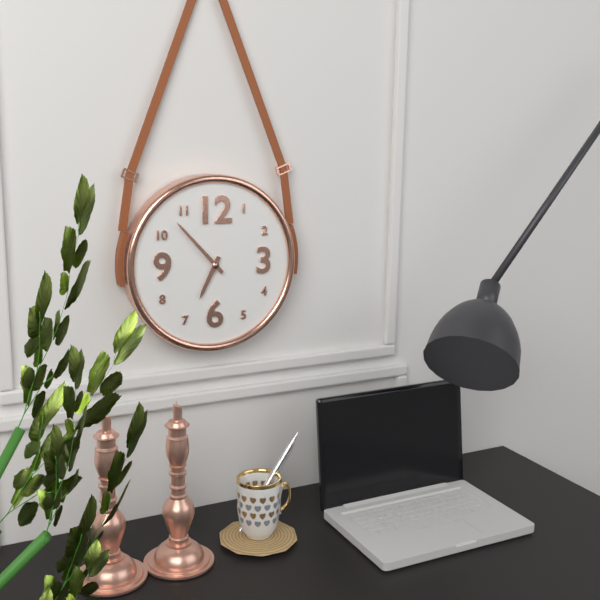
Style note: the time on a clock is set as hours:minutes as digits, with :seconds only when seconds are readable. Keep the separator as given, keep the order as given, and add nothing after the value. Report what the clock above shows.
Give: 6:53
